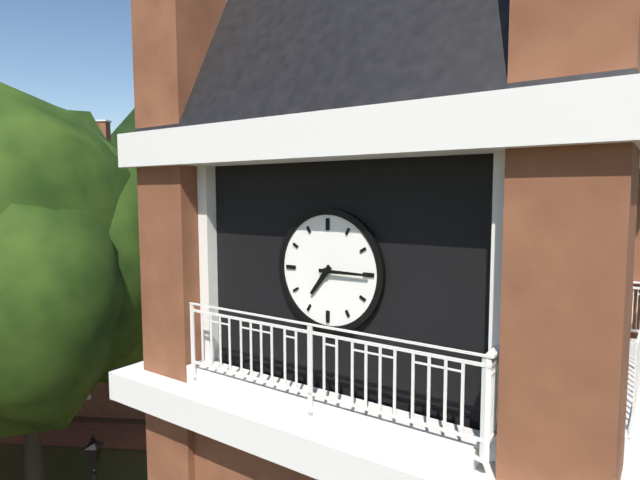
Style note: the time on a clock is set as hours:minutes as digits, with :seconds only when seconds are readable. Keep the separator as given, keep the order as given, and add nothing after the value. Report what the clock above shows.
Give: 7:15
